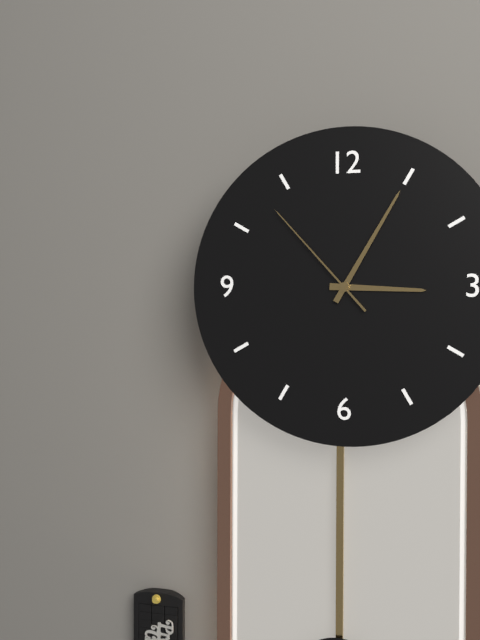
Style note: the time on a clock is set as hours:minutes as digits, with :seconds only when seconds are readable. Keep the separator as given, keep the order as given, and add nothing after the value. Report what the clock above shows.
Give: 3:05:53
